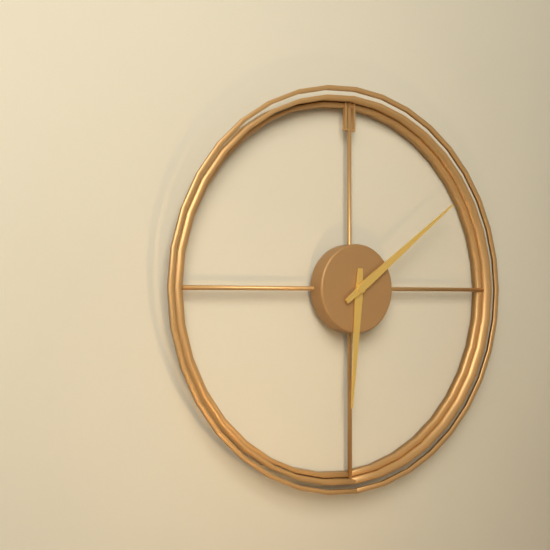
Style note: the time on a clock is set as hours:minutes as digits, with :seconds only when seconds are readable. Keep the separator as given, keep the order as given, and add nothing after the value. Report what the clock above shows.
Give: 6:09
